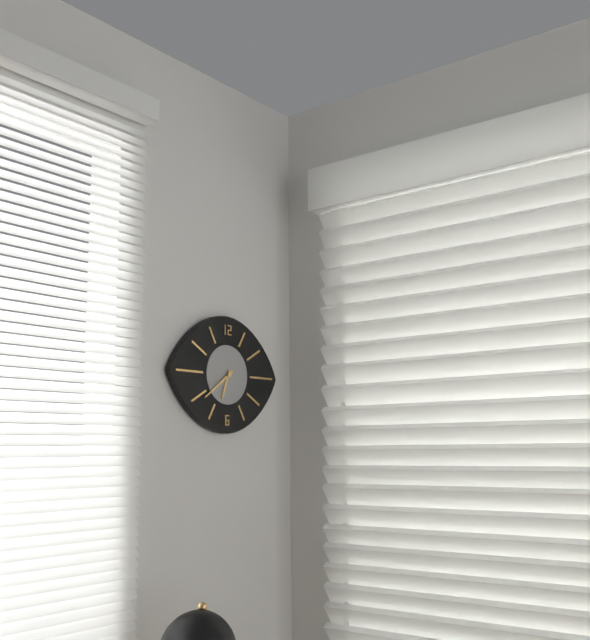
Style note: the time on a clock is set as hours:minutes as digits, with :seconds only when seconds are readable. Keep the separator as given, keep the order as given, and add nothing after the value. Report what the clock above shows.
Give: 6:39
